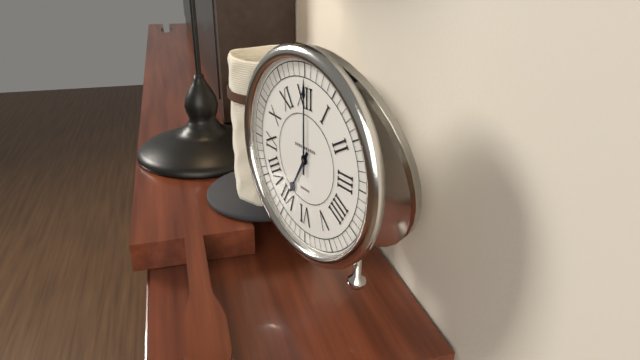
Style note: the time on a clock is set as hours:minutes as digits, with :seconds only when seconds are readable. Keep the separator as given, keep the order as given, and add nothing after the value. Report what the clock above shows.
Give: 7:00
